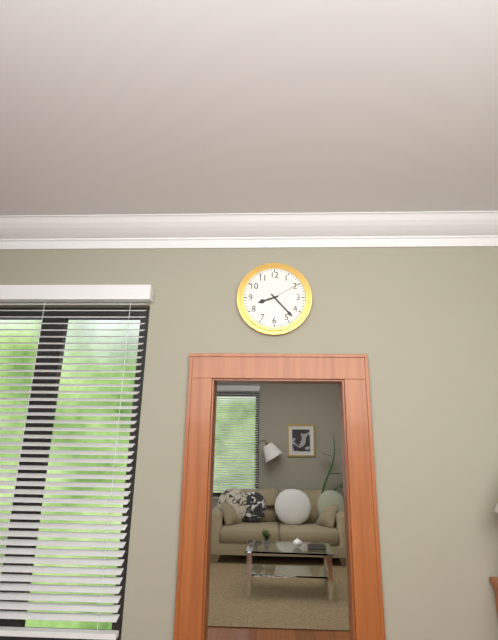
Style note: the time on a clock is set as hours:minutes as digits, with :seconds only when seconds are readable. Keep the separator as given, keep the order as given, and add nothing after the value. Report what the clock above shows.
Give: 8:23
